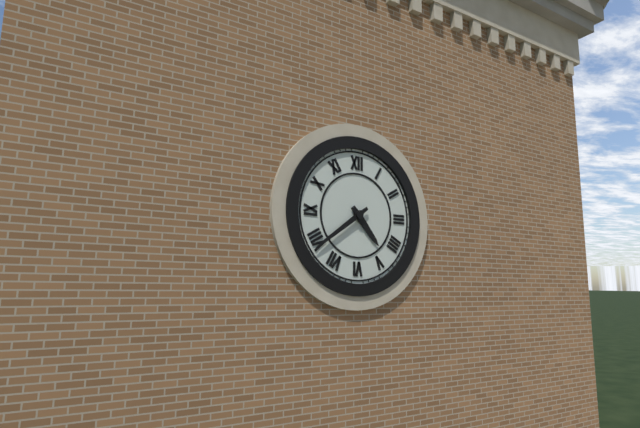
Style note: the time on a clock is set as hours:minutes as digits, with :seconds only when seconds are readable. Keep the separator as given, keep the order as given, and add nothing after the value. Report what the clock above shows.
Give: 4:39
